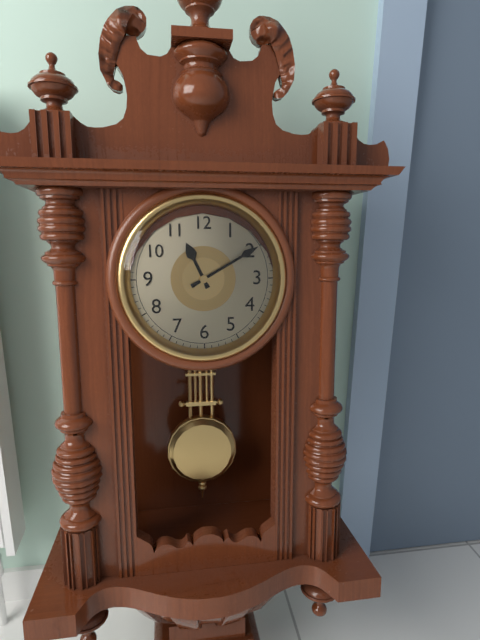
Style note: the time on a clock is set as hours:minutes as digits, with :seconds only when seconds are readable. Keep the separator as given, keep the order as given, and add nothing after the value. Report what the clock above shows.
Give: 11:10
